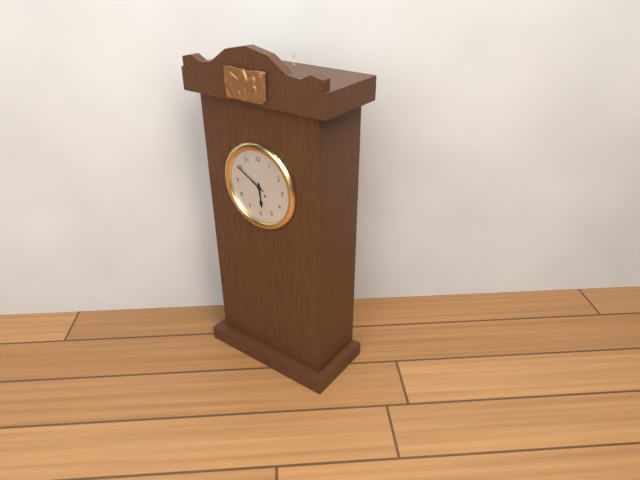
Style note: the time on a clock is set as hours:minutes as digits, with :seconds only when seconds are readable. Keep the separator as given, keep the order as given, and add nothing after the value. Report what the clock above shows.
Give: 5:50
